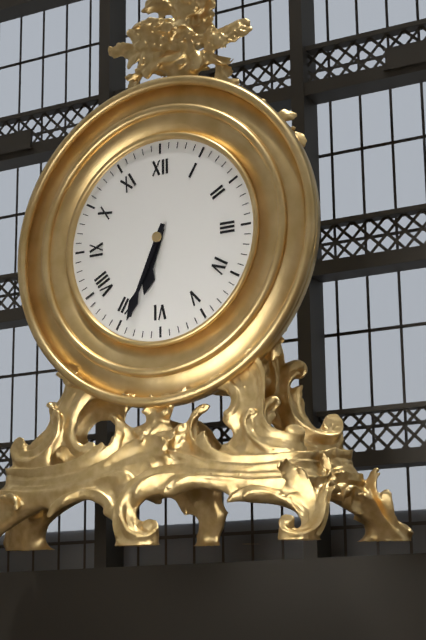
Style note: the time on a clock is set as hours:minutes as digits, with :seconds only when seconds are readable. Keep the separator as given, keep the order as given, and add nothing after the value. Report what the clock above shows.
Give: 6:34
